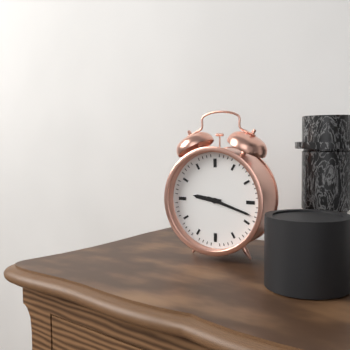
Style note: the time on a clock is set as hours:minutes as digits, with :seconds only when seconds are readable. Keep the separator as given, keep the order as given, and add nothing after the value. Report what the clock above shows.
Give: 9:18
